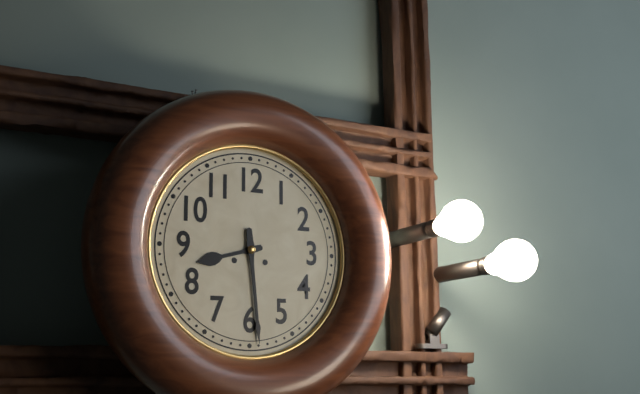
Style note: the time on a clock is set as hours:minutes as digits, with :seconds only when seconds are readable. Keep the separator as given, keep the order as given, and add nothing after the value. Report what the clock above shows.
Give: 8:29
